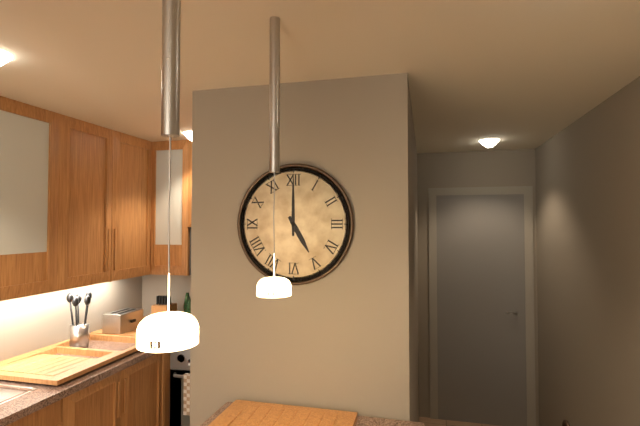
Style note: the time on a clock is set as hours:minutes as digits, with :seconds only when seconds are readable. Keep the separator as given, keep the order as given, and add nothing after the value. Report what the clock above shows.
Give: 5:00
